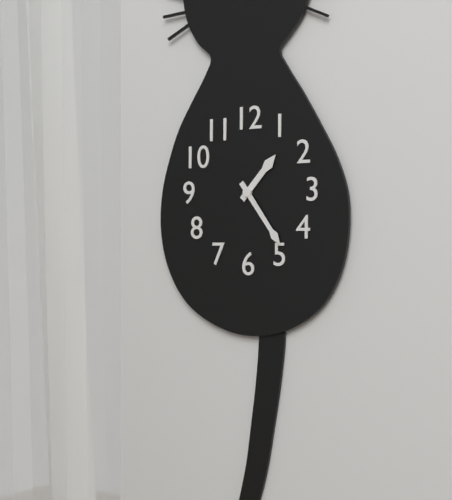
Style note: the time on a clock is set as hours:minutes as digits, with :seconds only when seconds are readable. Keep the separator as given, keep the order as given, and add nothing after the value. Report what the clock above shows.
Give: 1:24
